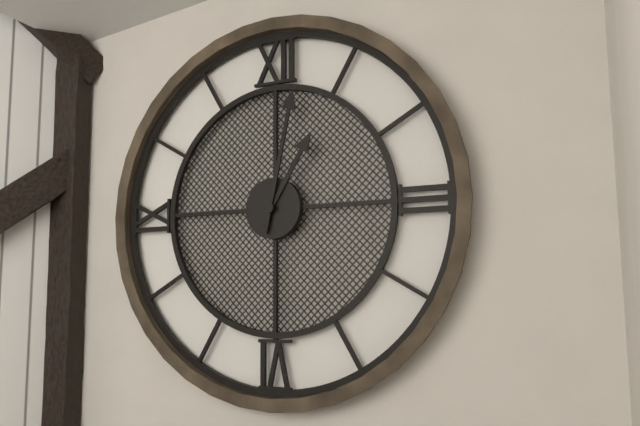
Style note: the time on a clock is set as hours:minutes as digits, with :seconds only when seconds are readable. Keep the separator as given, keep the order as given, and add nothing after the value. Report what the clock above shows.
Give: 1:02
